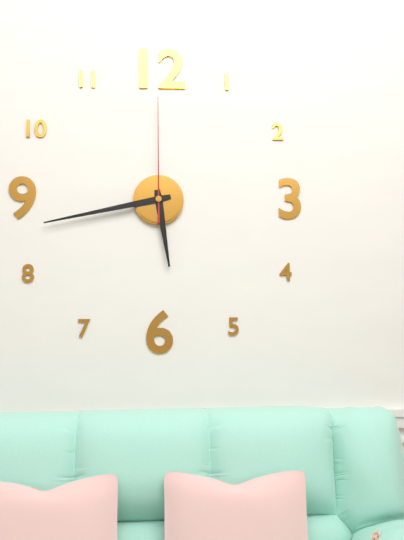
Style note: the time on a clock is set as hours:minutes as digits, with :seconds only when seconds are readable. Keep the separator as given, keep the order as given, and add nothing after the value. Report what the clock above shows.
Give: 5:43:00
